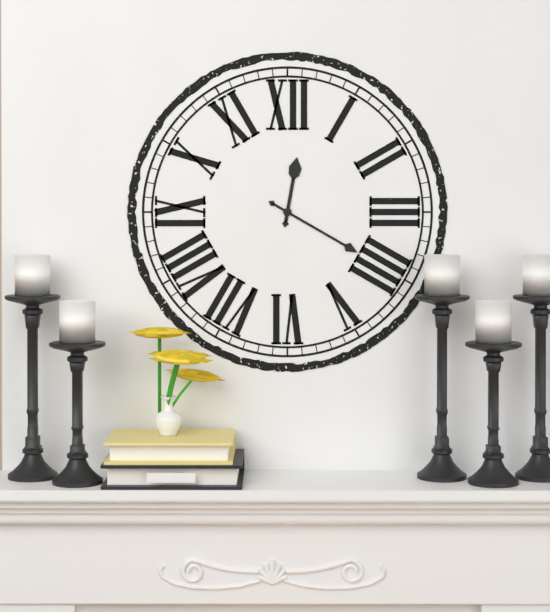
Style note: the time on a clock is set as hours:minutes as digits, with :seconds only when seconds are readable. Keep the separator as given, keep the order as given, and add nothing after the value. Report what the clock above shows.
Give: 12:20
